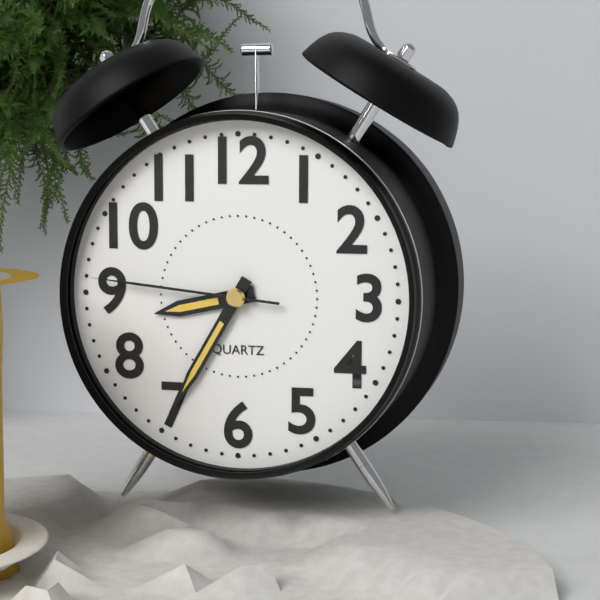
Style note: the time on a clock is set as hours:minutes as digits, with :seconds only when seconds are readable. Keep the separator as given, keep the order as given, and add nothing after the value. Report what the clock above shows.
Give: 8:35:46
